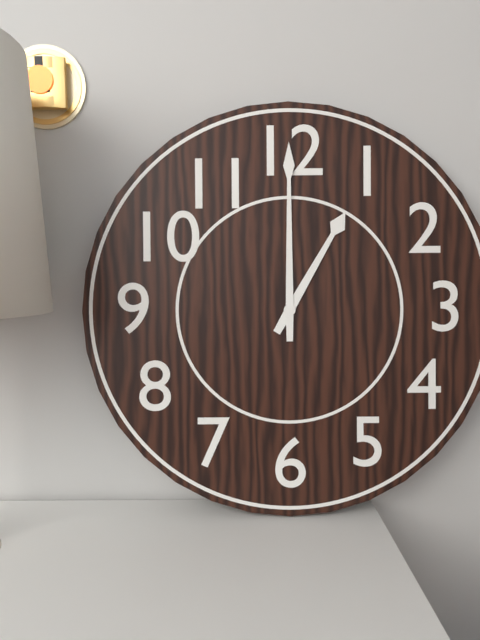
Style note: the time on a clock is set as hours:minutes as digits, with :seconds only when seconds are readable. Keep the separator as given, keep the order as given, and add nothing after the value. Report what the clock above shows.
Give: 1:00
